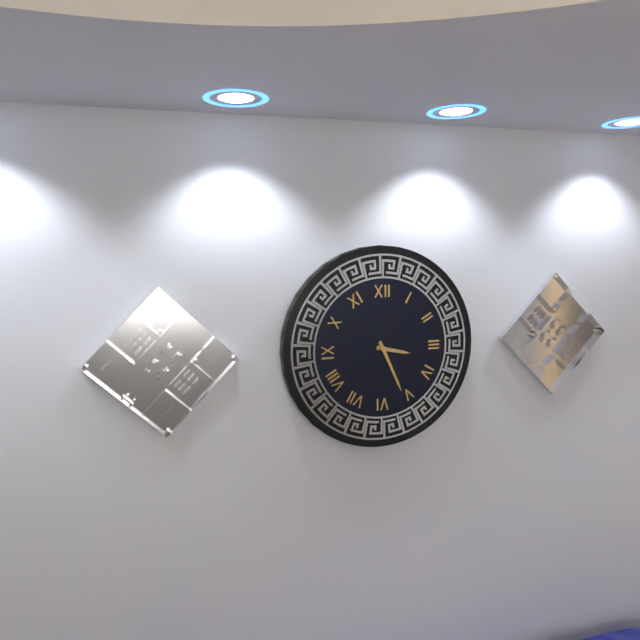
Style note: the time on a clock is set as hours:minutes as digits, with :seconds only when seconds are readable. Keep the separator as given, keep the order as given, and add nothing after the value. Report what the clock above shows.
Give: 3:26
